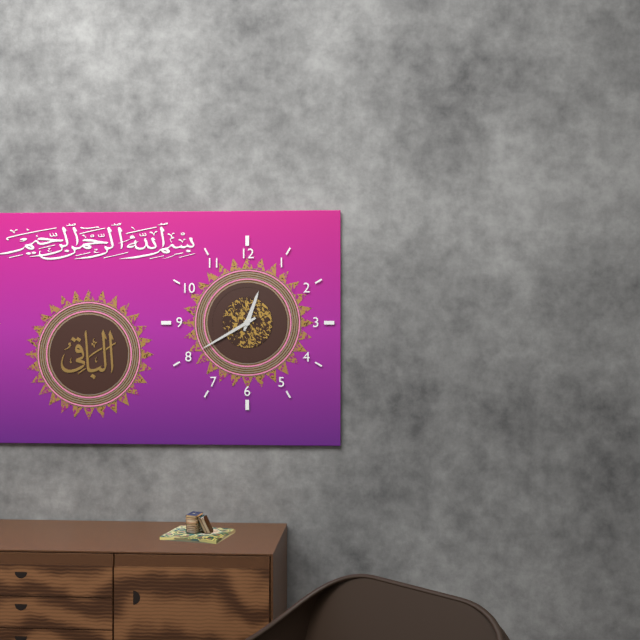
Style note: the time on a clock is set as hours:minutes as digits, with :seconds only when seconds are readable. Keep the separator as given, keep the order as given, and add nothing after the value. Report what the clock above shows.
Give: 12:40
